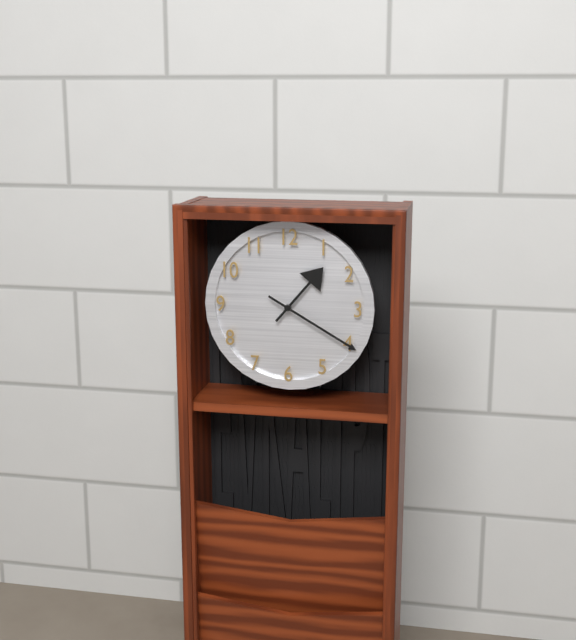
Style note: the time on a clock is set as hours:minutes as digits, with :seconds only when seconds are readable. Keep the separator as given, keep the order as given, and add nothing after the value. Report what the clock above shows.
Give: 1:20
